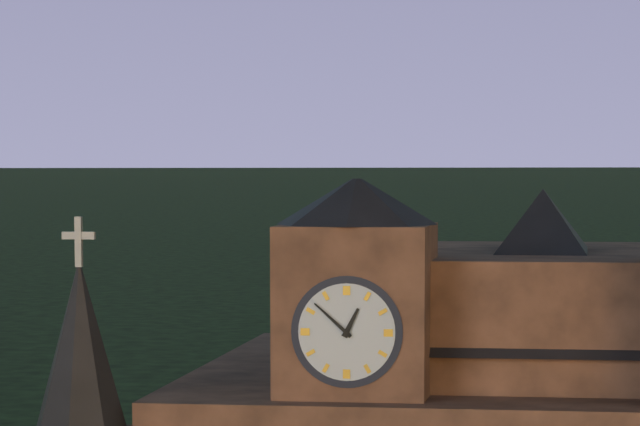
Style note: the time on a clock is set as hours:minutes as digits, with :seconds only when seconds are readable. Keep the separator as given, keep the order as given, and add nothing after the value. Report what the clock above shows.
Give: 12:52
